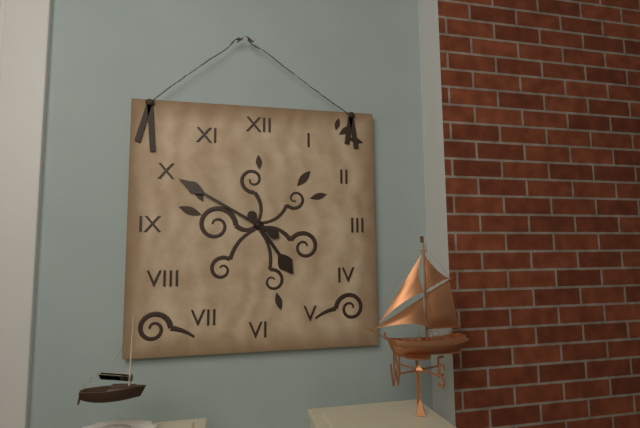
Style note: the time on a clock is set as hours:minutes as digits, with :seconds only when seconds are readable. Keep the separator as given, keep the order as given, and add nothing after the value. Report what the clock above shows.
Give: 4:50
